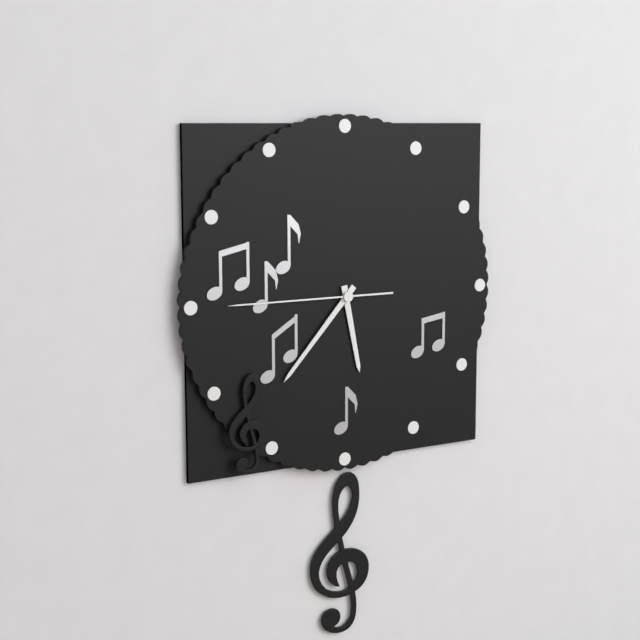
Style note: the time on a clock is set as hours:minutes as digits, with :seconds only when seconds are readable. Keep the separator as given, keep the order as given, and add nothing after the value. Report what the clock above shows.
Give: 5:37:45
